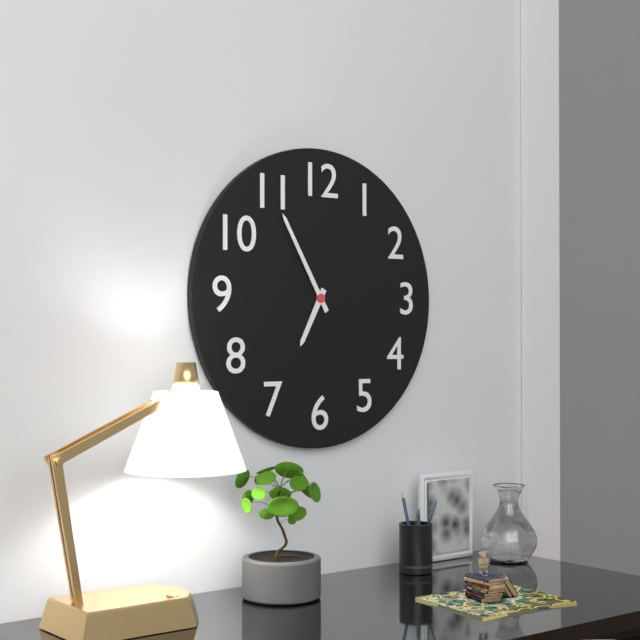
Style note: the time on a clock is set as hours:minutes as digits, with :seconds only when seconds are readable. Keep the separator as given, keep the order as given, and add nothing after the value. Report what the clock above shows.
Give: 6:55
